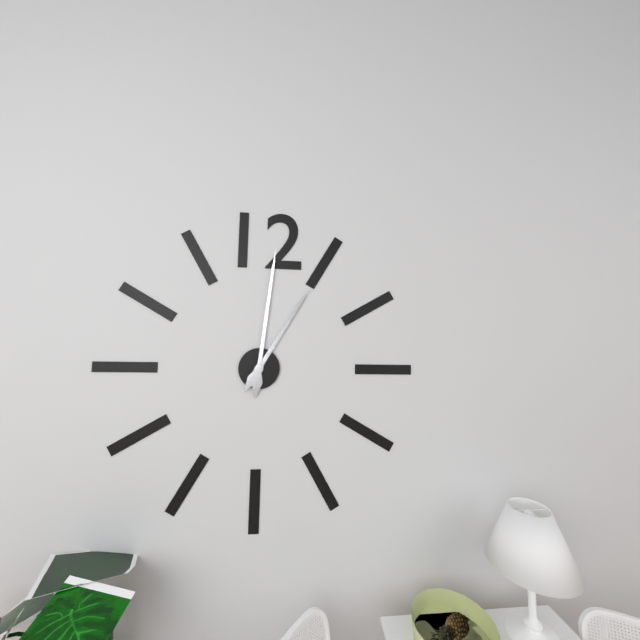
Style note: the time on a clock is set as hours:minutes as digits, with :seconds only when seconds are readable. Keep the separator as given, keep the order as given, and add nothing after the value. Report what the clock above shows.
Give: 1:01
